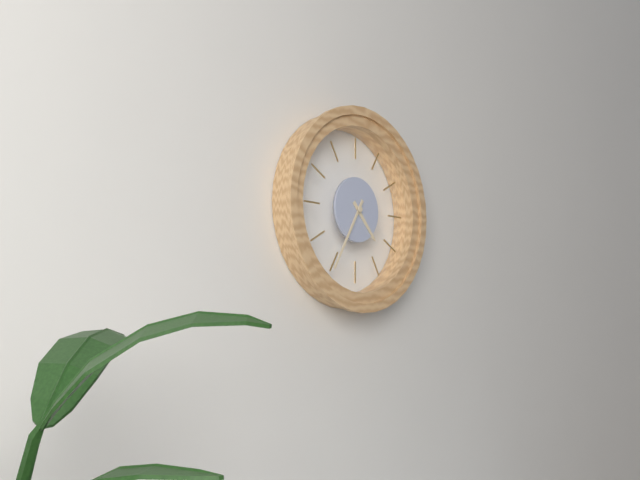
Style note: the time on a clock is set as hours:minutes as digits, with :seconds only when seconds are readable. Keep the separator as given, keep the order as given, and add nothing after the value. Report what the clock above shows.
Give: 4:35
